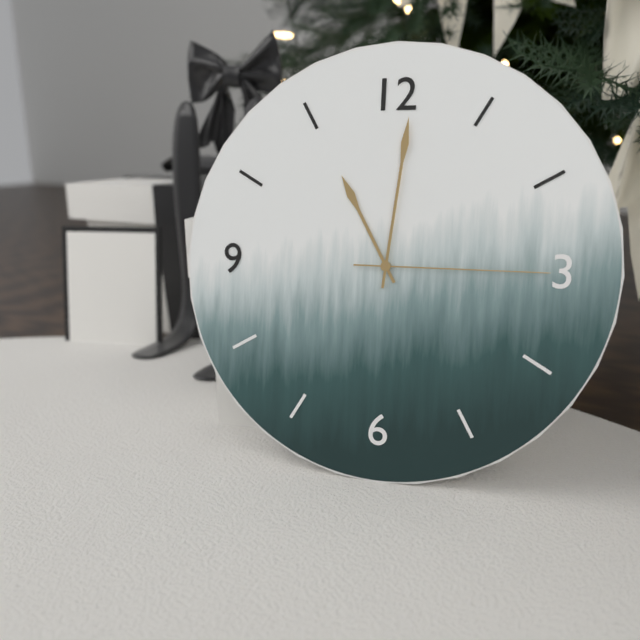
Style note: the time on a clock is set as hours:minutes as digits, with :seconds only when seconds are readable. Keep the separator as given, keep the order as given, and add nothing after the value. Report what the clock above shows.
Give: 11:01:15
